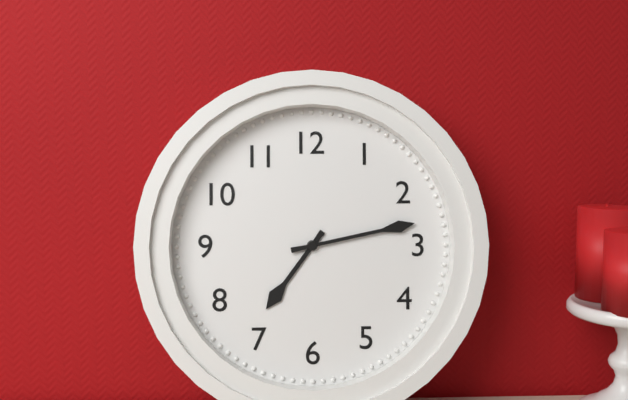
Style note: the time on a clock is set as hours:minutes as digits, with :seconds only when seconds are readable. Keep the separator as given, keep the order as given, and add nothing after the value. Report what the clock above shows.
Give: 7:13
